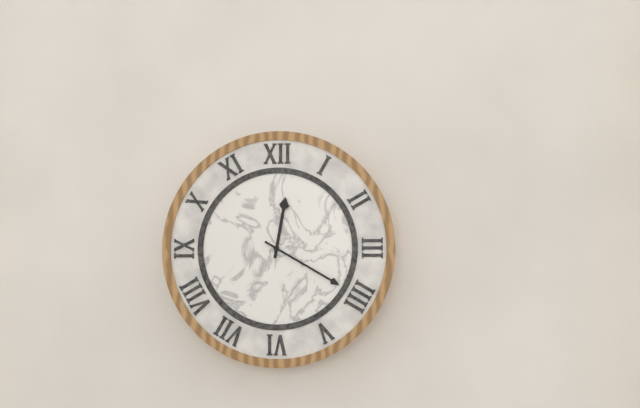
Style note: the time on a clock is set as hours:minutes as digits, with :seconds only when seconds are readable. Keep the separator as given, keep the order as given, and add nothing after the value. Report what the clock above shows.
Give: 12:20
